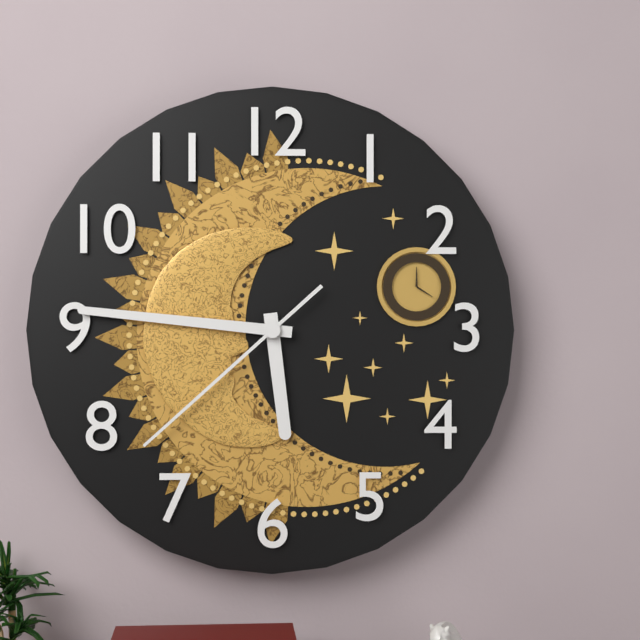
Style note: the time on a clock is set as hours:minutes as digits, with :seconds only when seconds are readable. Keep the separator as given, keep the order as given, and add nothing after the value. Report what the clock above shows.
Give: 5:46:38
